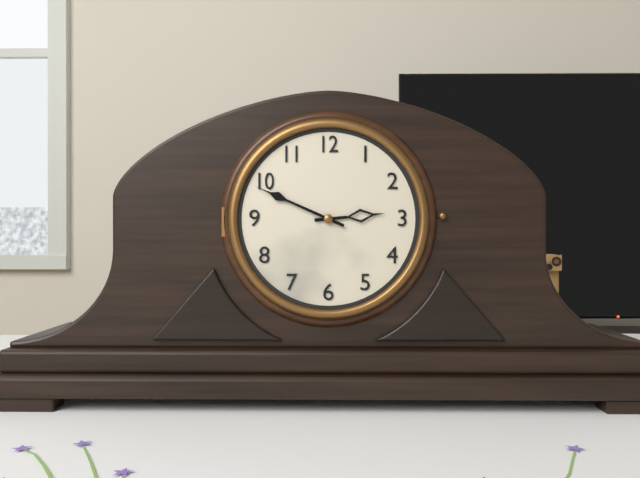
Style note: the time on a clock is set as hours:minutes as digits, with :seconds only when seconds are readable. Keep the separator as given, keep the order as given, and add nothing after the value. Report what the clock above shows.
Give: 2:49
